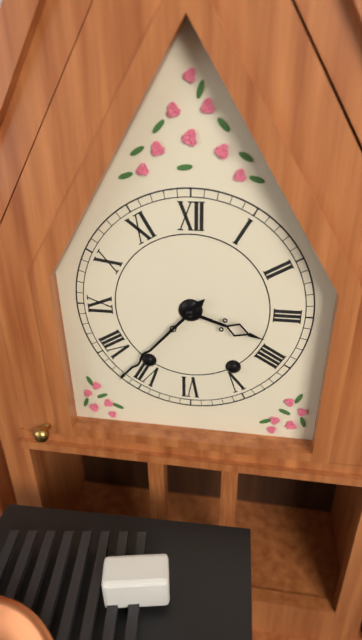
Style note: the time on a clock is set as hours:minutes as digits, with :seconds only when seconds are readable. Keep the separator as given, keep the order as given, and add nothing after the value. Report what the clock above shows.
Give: 3:37
